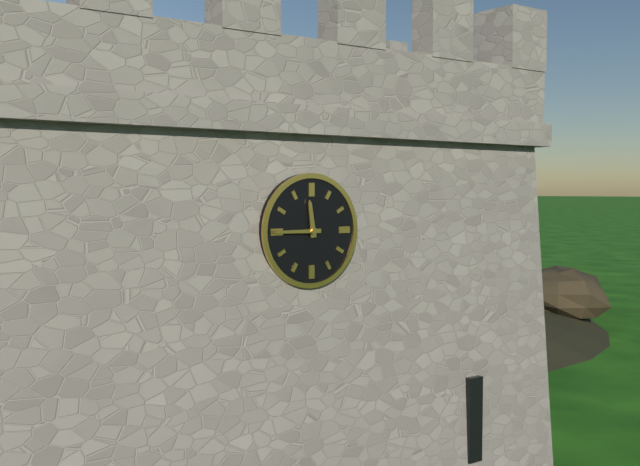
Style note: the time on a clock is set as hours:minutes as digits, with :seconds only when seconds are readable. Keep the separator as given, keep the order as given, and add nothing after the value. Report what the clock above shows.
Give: 11:45
